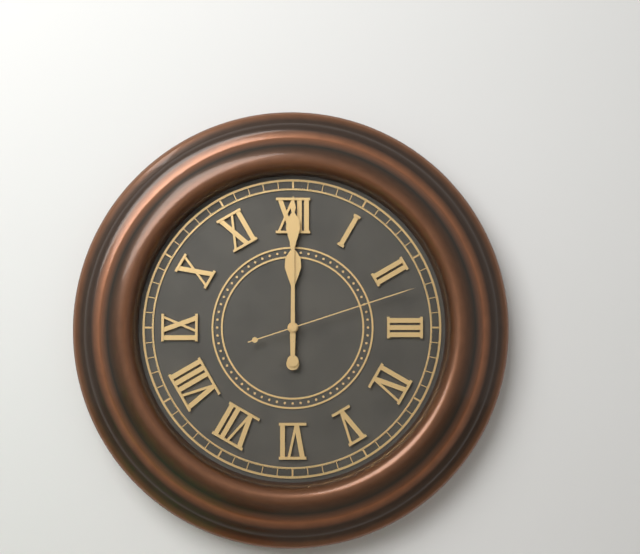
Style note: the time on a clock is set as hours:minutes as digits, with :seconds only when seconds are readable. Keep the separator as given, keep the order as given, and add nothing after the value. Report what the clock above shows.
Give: 12:00:12
